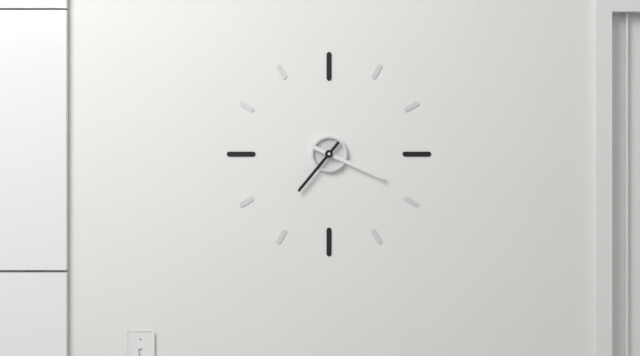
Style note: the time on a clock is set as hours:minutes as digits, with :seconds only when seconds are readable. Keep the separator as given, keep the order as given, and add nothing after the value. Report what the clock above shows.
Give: 7:19
